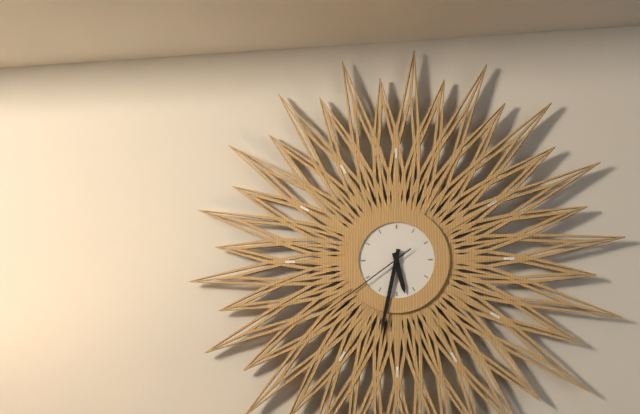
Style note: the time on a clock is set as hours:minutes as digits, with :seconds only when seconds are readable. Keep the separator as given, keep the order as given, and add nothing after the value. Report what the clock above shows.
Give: 5:32:39
